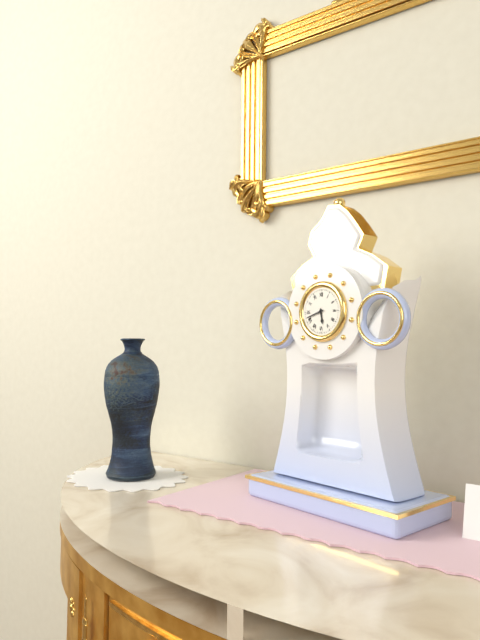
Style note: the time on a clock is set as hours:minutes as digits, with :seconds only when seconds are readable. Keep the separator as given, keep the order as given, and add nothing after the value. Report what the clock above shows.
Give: 5:42
